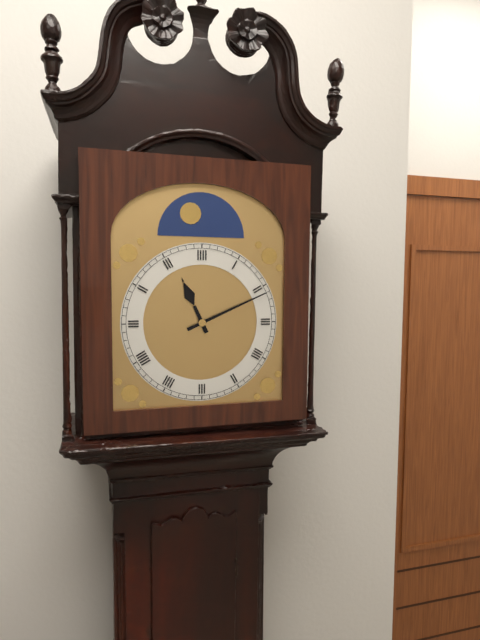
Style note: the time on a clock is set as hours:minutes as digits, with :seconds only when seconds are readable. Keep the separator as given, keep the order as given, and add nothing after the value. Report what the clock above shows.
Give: 11:11
